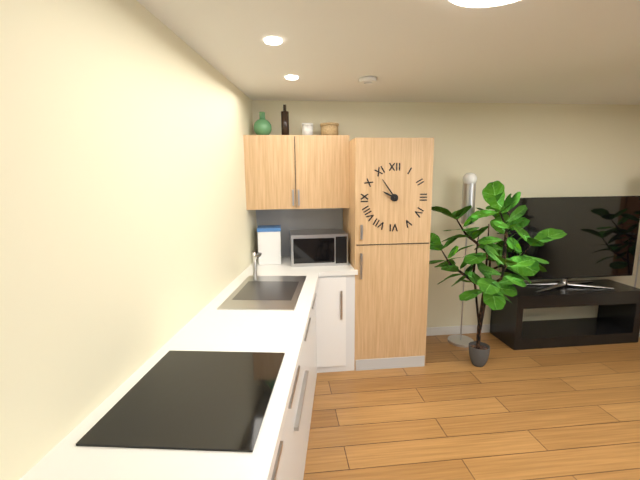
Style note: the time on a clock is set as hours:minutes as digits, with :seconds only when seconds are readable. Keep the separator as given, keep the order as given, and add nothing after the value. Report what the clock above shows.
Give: 9:54
